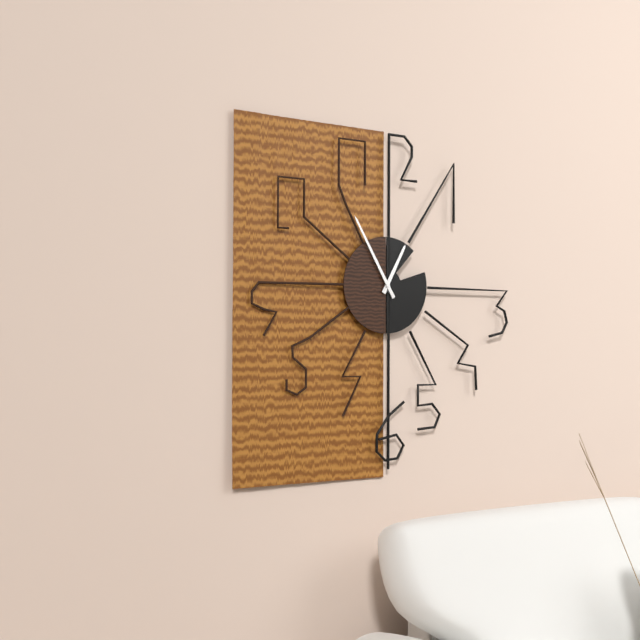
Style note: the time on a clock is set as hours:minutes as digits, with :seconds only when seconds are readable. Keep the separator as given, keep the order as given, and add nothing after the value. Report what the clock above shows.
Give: 12:55
